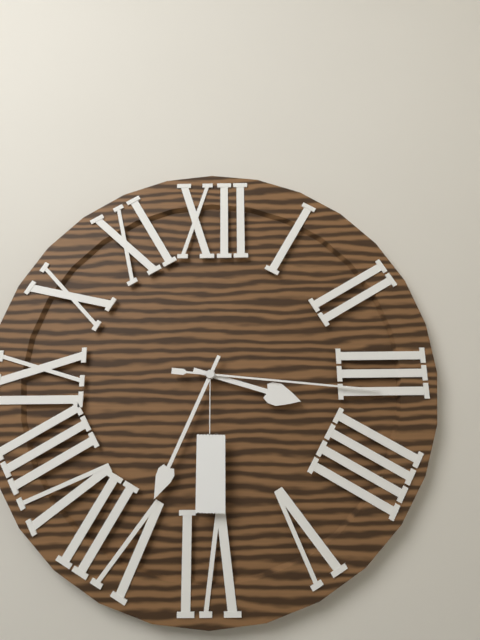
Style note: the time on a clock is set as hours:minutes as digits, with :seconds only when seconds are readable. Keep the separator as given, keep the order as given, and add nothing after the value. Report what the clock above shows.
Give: 3:34:16
